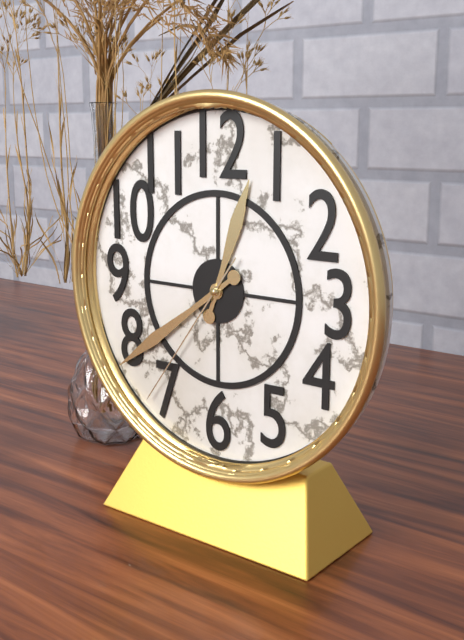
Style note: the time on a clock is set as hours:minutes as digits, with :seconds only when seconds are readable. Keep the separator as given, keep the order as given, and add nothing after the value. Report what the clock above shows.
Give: 12:39:36
